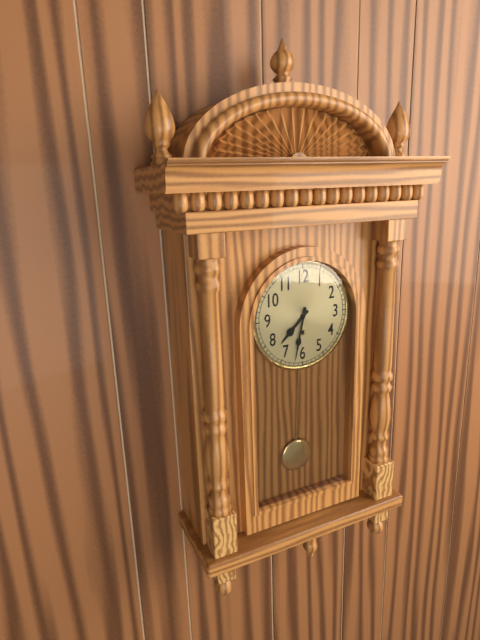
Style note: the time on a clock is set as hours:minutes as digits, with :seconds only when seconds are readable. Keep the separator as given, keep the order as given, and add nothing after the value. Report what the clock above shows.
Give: 7:32
